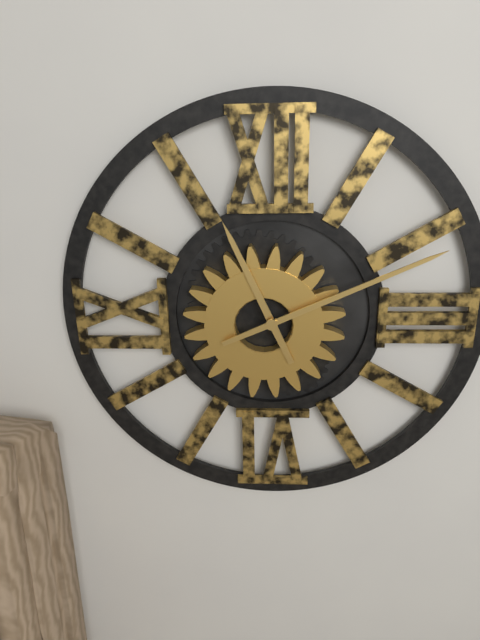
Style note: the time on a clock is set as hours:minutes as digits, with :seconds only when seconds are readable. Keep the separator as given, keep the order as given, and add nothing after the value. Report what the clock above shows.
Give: 11:11
